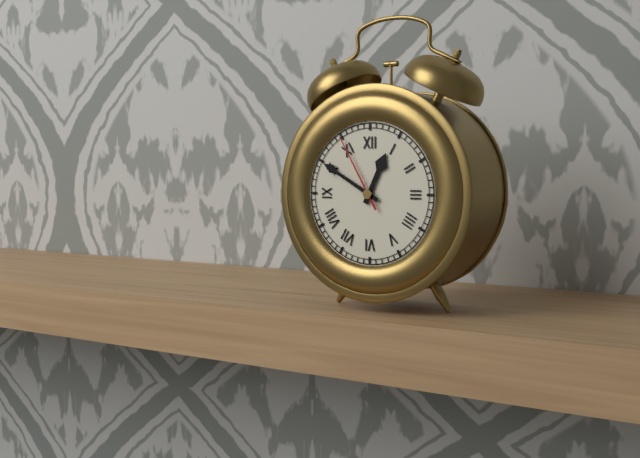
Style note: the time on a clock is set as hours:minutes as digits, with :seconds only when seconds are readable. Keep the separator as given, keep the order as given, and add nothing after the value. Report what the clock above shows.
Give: 12:50:55
